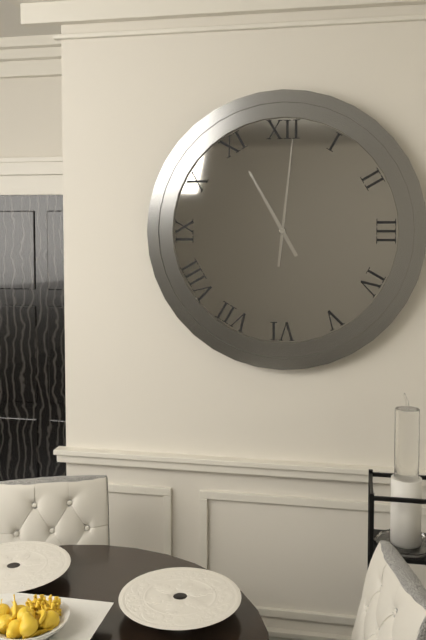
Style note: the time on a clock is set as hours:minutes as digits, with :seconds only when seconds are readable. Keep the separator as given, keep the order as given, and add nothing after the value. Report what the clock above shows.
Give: 11:01
